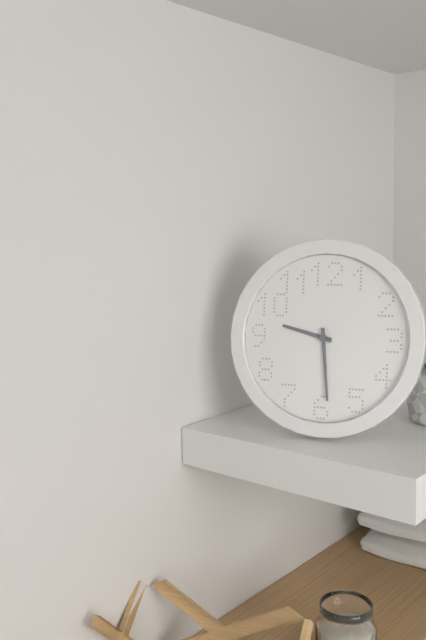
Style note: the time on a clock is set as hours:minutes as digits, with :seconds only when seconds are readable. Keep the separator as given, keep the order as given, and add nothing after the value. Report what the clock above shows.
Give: 9:29
